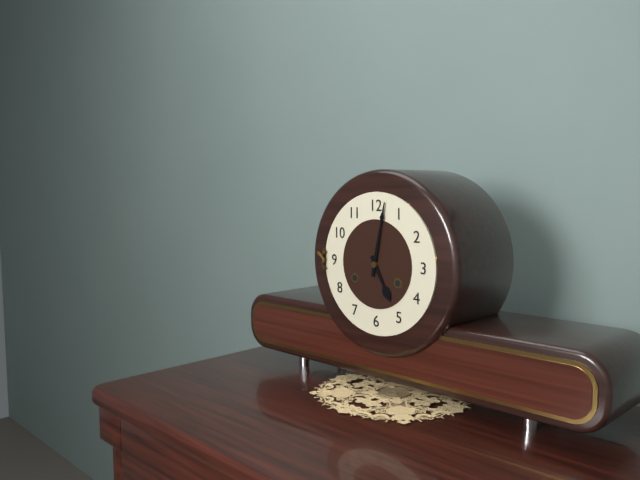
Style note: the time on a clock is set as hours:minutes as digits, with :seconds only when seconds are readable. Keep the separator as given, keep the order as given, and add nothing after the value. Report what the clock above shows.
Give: 5:02
